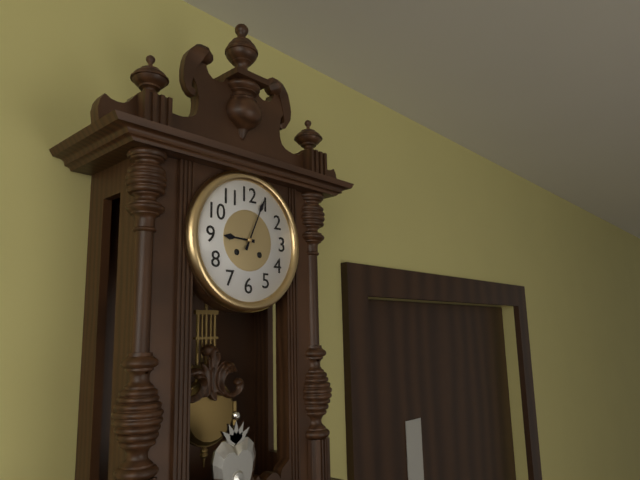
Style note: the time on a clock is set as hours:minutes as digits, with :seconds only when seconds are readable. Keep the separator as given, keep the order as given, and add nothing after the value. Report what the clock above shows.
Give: 9:04
